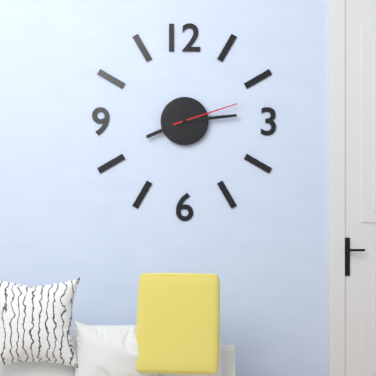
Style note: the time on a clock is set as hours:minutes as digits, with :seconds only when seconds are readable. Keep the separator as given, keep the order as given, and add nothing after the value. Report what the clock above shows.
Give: 8:14:12
